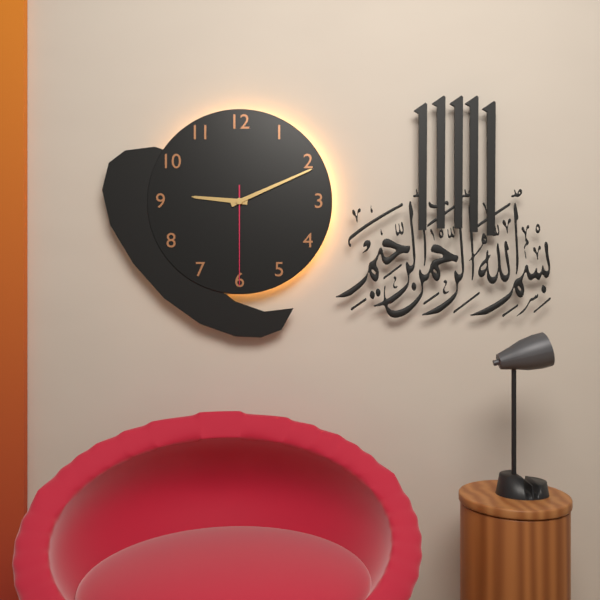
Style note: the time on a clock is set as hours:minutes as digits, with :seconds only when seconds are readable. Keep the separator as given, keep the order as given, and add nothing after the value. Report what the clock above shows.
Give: 9:11:30
